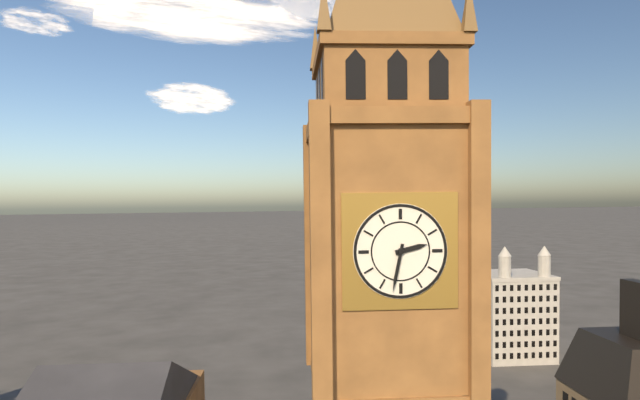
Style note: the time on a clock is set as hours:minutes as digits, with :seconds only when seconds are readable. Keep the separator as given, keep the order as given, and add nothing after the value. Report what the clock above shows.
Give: 2:32
